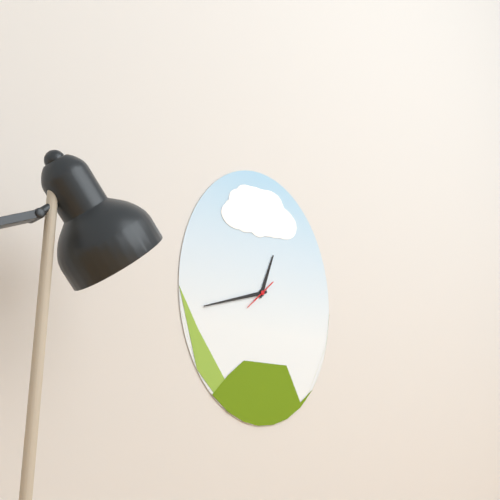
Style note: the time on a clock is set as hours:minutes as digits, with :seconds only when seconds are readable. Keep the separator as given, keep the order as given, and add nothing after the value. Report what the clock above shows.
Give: 12:42
